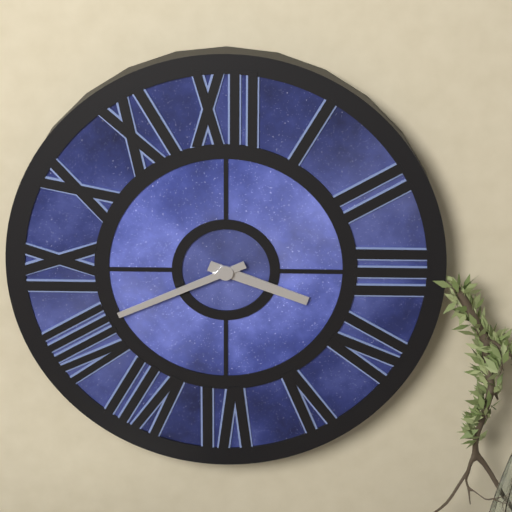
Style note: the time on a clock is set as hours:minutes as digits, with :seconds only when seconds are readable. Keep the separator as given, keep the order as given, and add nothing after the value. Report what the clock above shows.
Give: 3:41
